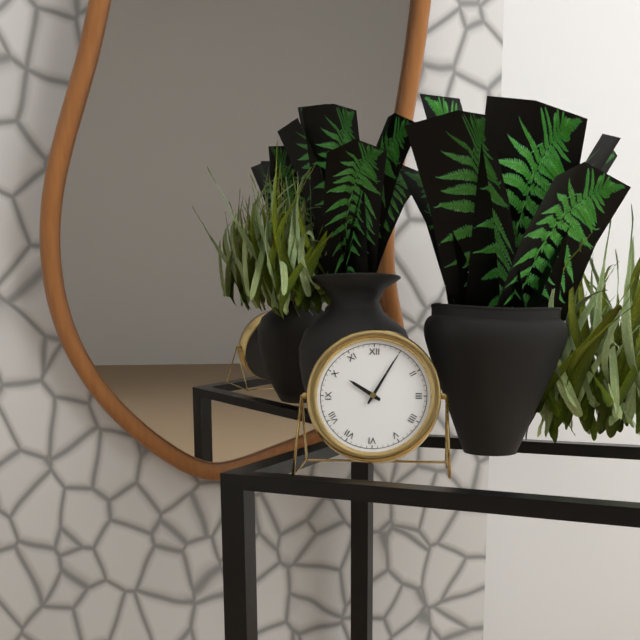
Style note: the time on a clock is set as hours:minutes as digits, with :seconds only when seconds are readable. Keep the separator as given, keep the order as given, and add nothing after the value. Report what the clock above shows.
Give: 10:05
